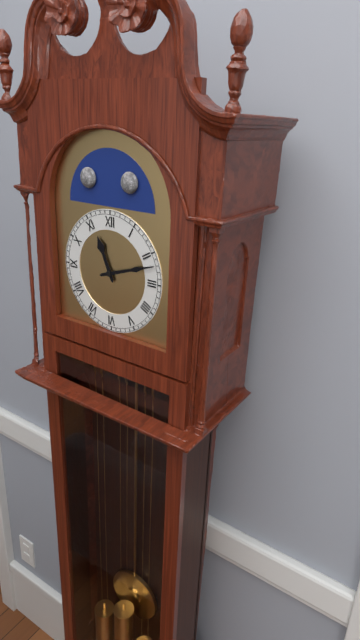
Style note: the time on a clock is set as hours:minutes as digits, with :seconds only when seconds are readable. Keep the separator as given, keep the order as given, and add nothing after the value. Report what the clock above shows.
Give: 11:12
